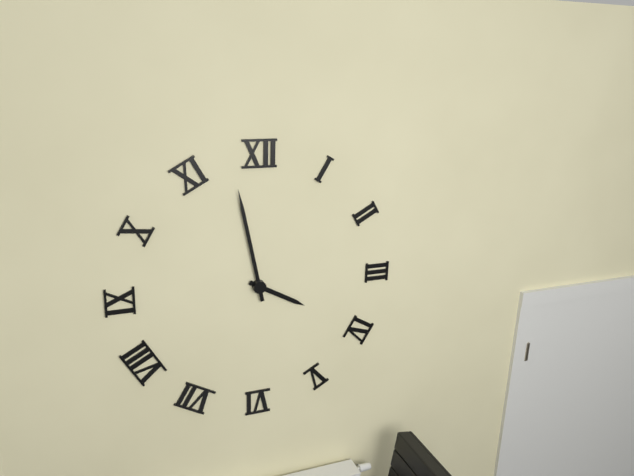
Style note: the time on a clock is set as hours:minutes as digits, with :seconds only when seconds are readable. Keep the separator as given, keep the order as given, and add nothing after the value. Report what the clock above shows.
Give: 3:58
